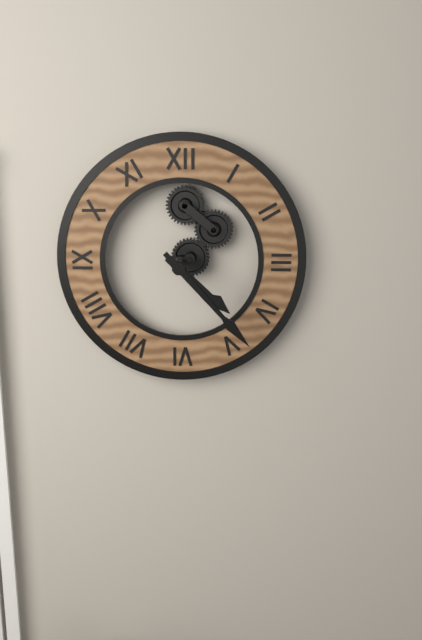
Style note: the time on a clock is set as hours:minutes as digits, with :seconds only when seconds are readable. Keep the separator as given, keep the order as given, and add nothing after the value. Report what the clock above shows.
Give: 4:23
